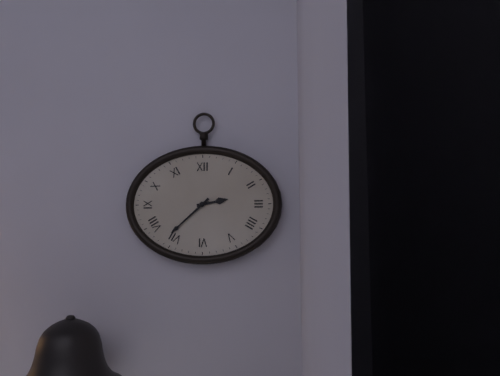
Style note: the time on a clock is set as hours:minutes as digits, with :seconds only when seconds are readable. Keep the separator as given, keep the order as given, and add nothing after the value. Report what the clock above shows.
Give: 2:38
